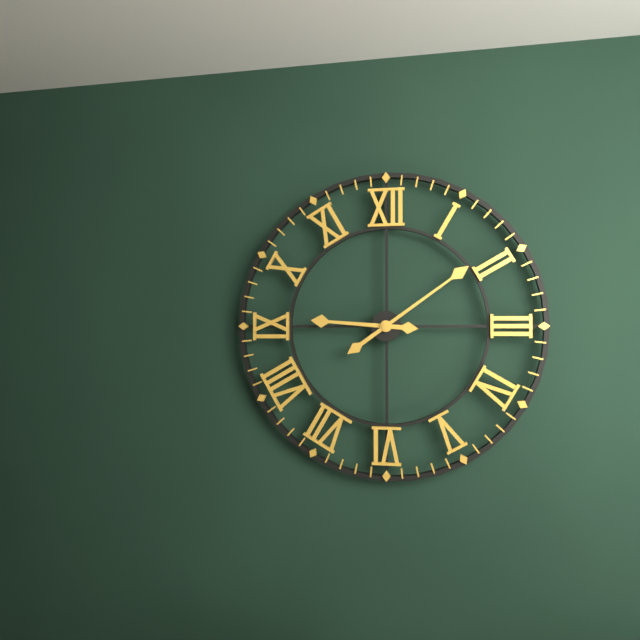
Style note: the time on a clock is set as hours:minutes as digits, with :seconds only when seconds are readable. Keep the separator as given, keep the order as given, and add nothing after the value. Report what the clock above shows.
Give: 9:09
